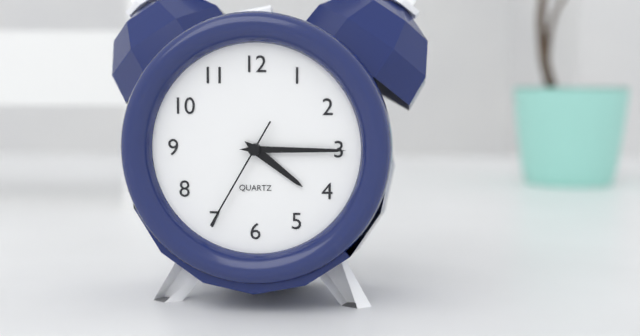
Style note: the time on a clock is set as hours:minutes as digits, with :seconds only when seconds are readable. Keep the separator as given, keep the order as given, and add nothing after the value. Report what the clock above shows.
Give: 4:15:35
